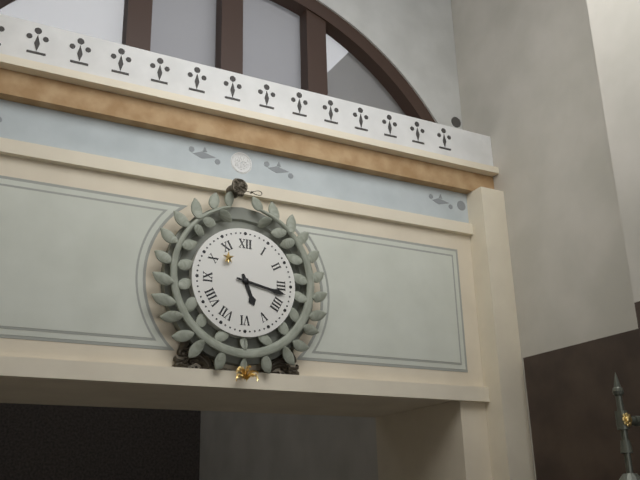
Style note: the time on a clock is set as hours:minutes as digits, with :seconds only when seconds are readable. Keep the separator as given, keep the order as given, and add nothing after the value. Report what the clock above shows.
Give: 5:17
